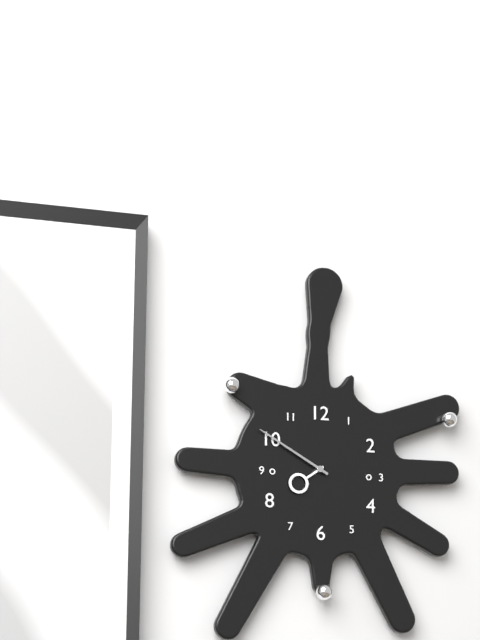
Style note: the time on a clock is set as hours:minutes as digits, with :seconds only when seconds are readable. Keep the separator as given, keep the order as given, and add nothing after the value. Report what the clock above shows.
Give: 7:50
